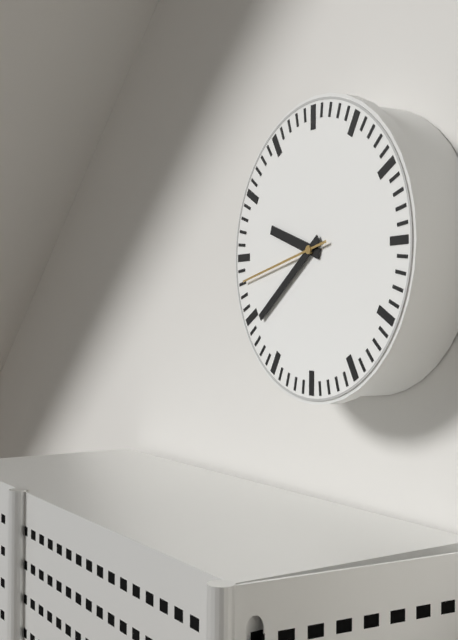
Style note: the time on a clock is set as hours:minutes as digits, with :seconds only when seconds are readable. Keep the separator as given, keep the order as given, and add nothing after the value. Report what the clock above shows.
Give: 9:39:43
